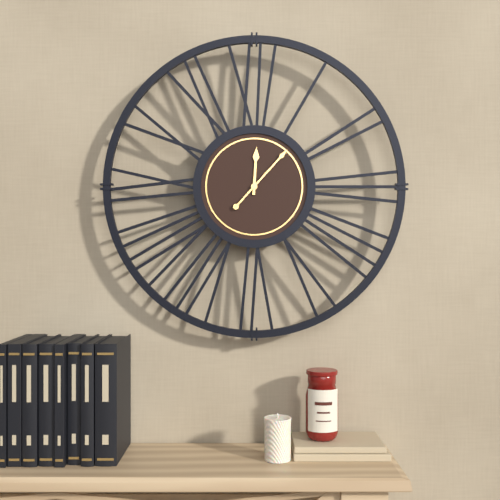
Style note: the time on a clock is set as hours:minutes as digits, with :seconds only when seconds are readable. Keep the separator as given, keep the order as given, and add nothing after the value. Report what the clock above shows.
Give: 12:07
